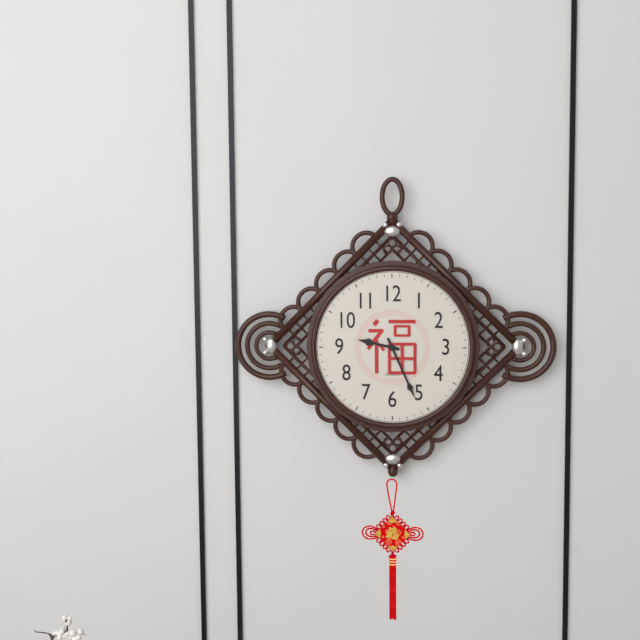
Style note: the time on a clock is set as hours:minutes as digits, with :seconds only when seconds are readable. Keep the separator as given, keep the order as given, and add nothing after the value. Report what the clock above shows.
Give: 9:26
